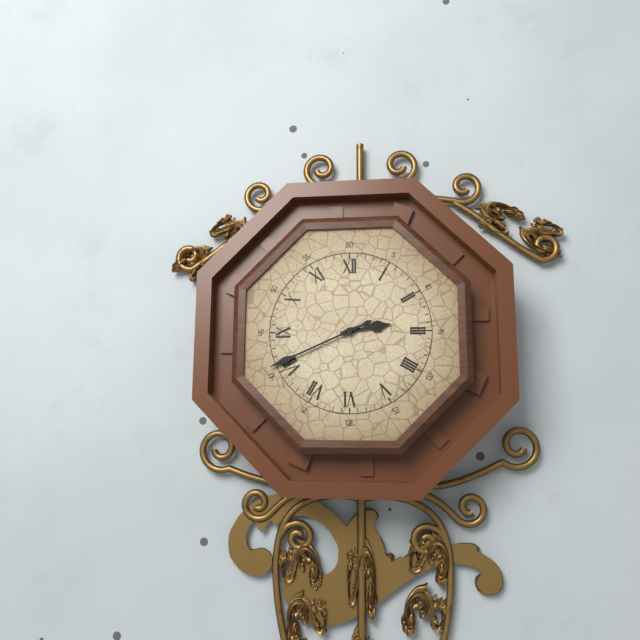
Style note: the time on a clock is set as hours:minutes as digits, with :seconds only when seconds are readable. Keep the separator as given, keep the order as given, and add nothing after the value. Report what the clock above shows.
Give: 2:41
